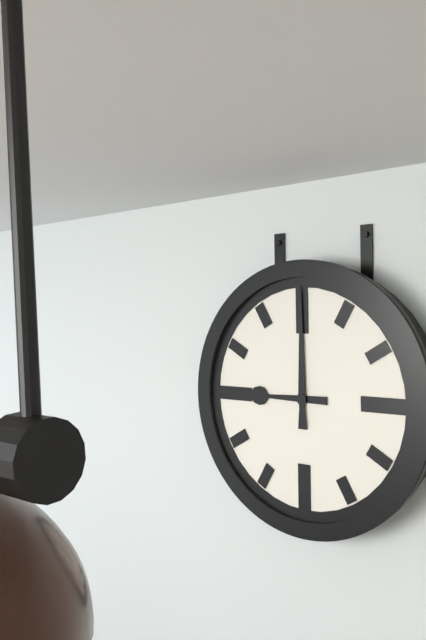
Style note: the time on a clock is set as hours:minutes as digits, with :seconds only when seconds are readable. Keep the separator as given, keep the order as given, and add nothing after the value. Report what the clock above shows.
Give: 9:00
